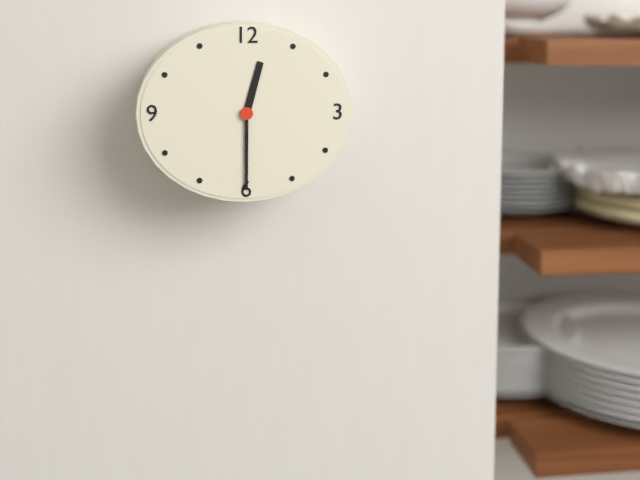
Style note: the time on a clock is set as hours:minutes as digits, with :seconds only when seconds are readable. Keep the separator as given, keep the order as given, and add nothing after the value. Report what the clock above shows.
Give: 12:30
